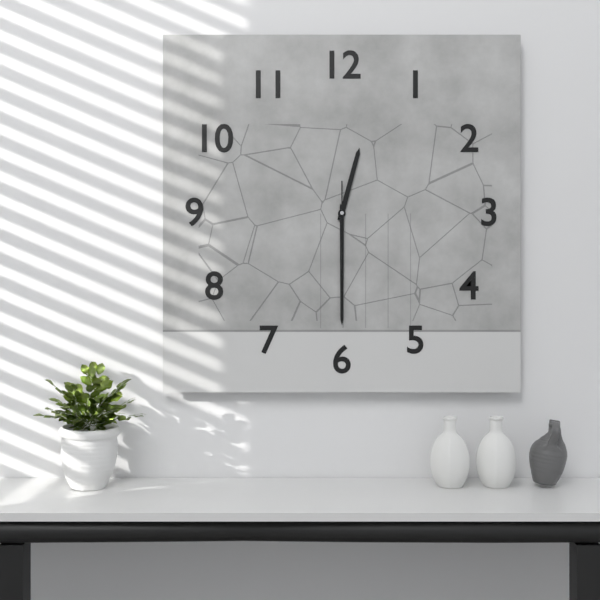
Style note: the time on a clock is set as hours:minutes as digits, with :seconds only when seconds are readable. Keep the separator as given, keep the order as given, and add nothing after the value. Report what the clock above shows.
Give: 12:30:30
